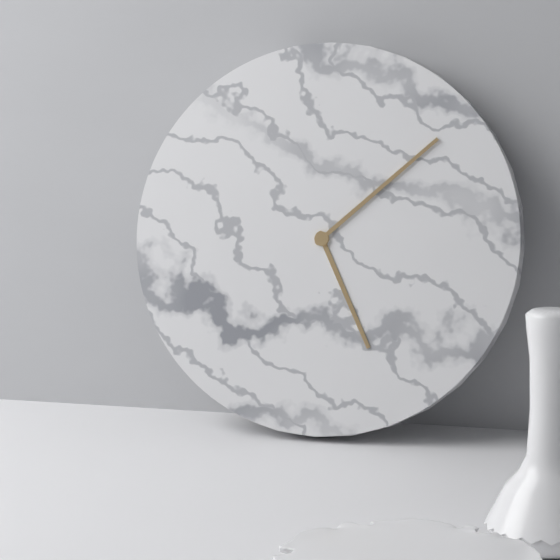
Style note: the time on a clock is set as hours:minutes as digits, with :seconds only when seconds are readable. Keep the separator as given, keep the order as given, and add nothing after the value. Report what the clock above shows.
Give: 5:08
